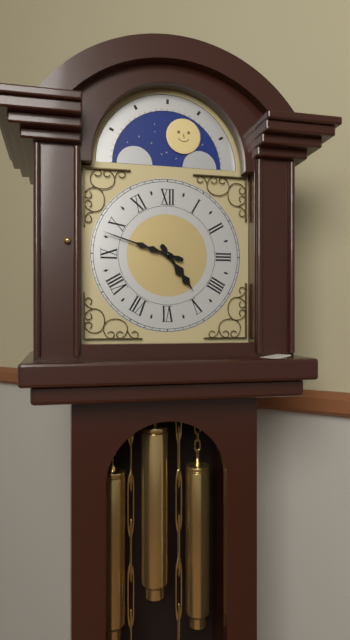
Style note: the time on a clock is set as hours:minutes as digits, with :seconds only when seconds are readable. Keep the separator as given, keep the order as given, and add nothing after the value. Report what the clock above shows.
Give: 4:48
